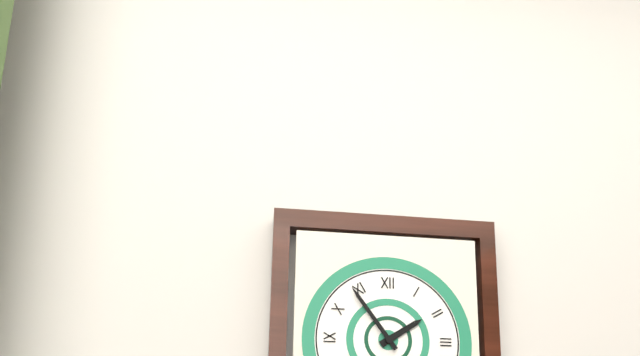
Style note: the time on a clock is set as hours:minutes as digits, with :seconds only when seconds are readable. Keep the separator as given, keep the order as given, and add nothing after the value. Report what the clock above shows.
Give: 1:54
